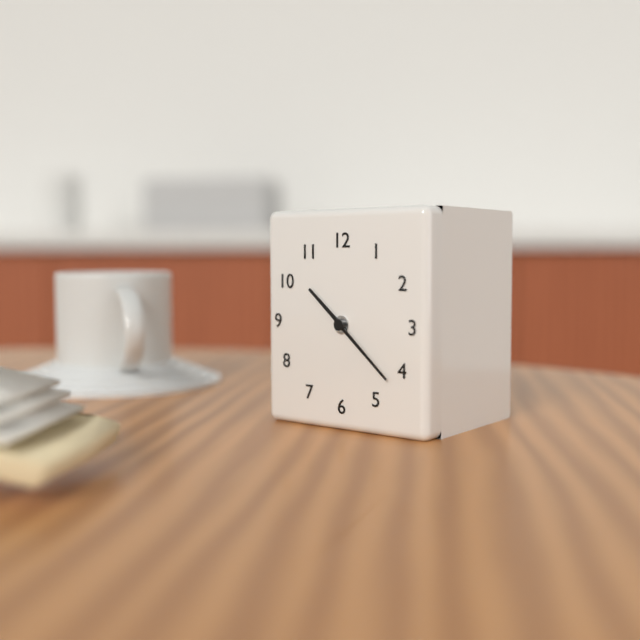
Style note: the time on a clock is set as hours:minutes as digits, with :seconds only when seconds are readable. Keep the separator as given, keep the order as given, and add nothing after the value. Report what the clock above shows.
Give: 10:22
